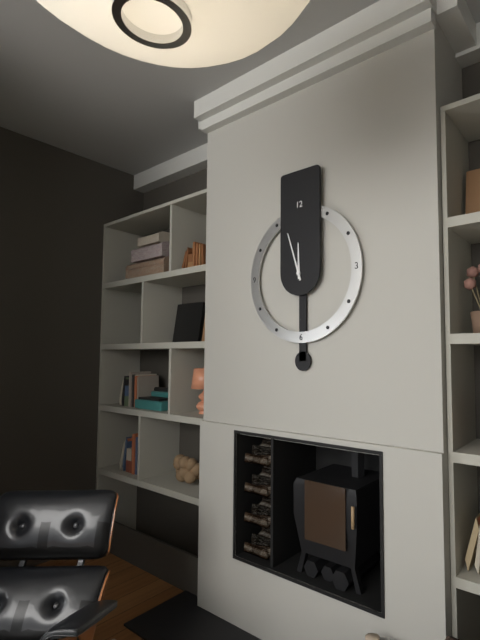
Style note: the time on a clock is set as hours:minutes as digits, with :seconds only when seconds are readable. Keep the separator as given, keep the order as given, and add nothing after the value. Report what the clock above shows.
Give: 11:57
